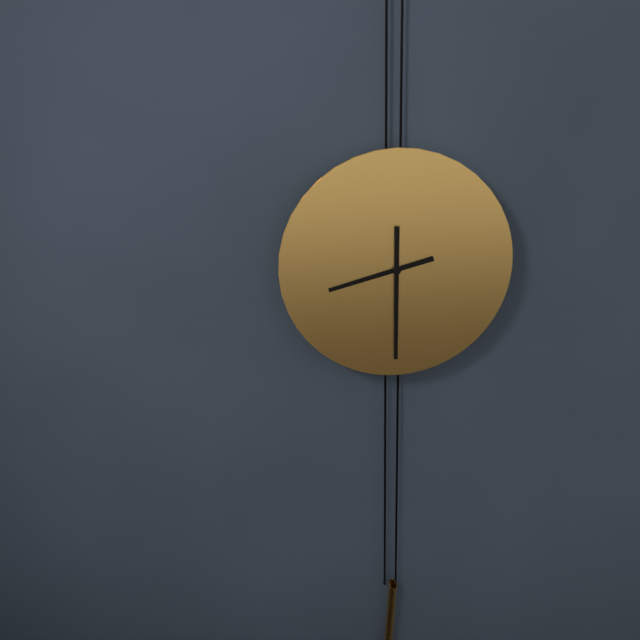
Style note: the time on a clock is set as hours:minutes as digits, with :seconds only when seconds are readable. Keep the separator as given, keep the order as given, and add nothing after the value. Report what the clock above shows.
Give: 8:30
